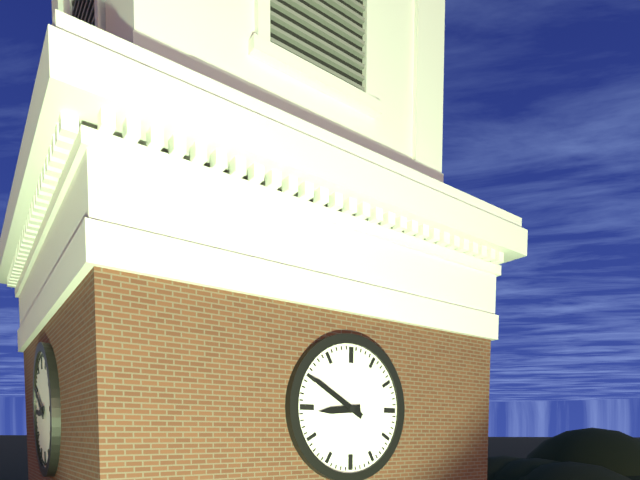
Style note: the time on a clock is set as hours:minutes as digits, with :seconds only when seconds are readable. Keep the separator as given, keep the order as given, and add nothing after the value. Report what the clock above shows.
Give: 8:50
